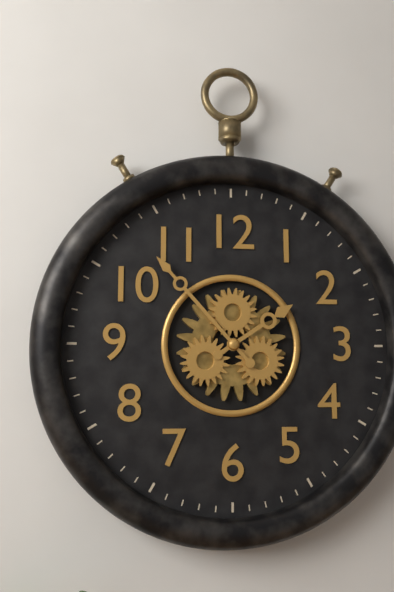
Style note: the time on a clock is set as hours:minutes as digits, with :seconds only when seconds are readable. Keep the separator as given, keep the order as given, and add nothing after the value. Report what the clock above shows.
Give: 1:53
